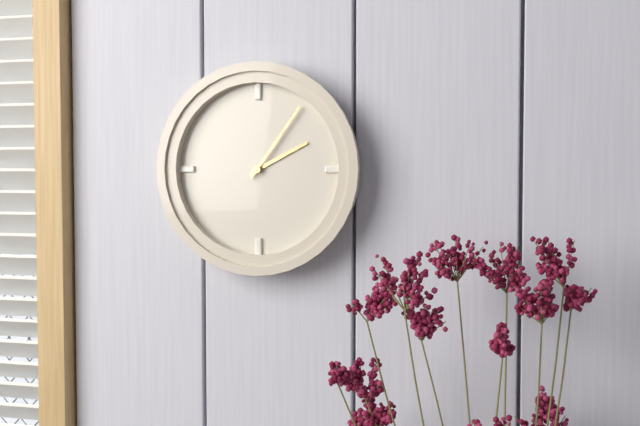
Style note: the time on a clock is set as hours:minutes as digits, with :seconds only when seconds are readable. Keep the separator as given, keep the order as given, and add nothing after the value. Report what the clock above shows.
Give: 2:06
